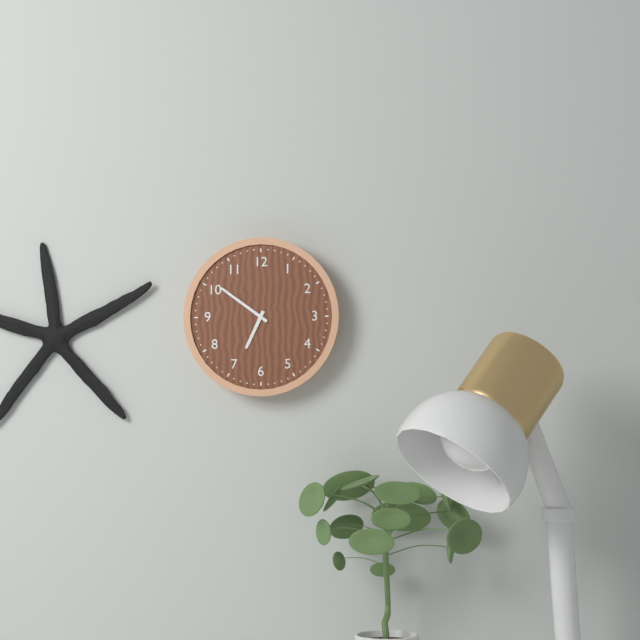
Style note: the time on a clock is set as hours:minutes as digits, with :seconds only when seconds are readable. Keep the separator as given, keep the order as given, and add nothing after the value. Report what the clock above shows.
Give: 6:51
